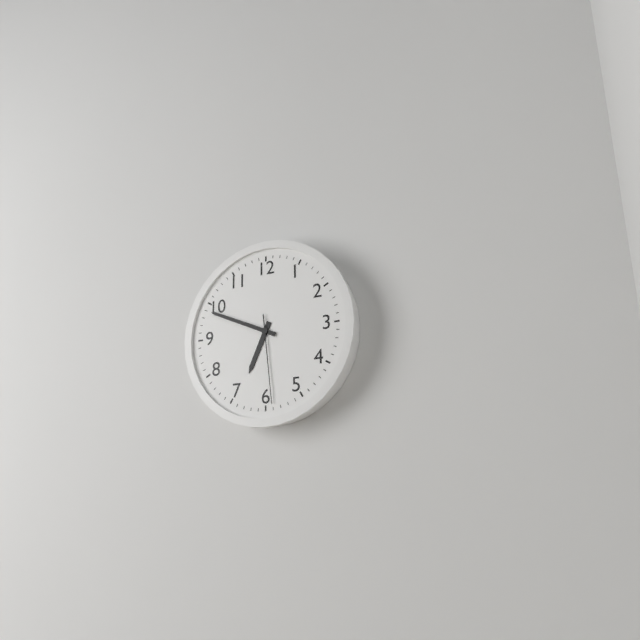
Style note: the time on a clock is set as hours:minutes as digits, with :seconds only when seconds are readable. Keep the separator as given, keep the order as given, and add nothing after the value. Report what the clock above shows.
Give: 6:49:29
